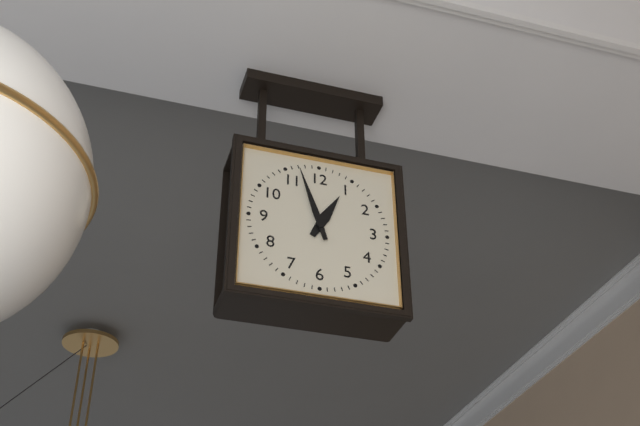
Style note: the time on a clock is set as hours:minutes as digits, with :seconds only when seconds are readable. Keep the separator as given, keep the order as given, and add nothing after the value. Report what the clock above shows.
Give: 12:57
